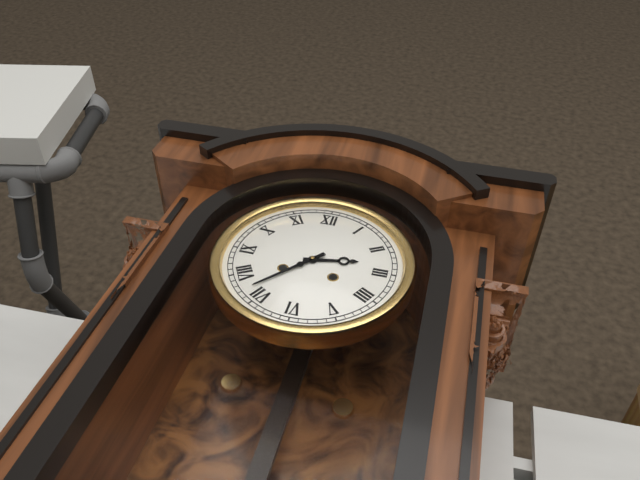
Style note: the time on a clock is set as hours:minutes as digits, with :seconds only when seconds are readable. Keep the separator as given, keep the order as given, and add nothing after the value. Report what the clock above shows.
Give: 2:37
